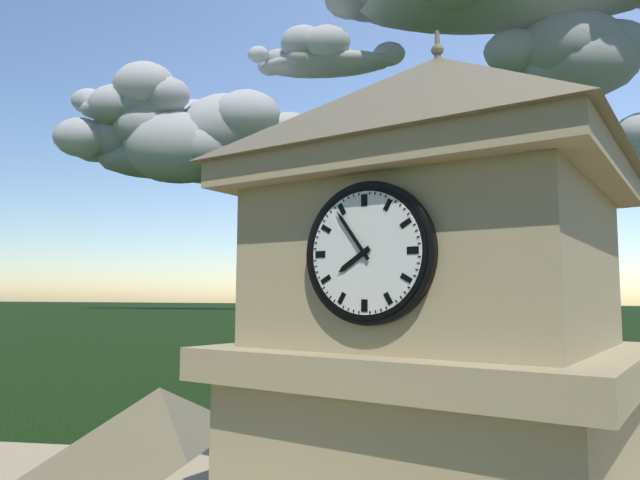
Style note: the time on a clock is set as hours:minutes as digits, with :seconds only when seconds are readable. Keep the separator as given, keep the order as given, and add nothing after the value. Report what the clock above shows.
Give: 7:54
